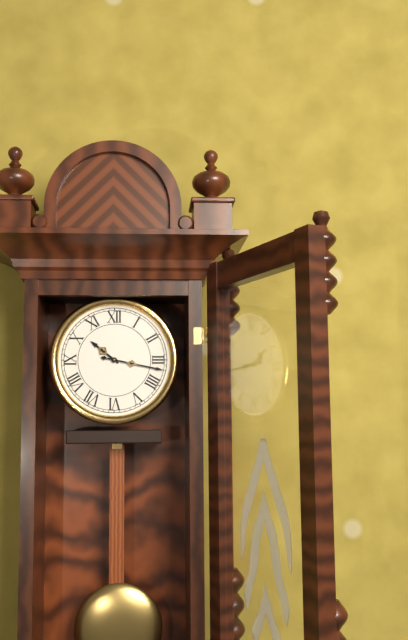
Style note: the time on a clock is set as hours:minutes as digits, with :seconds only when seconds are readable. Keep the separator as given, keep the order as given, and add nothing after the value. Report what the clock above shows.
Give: 10:17
